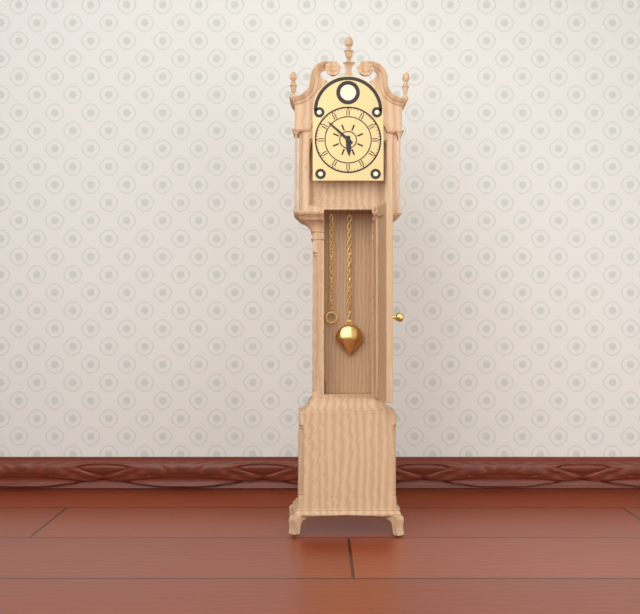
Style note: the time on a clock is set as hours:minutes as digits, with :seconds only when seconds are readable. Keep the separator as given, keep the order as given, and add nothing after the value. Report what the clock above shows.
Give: 5:52
